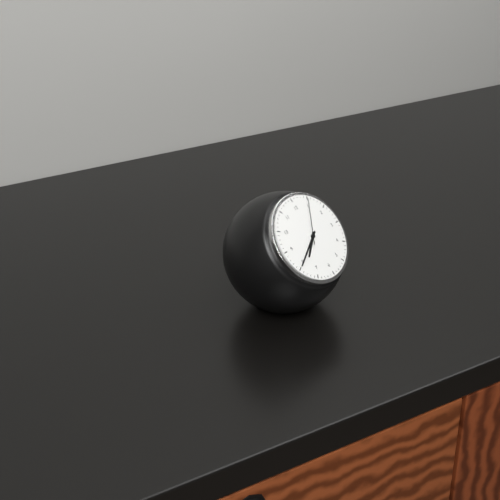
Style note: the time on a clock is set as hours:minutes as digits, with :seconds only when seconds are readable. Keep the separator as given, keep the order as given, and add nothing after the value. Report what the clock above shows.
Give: 7:40
